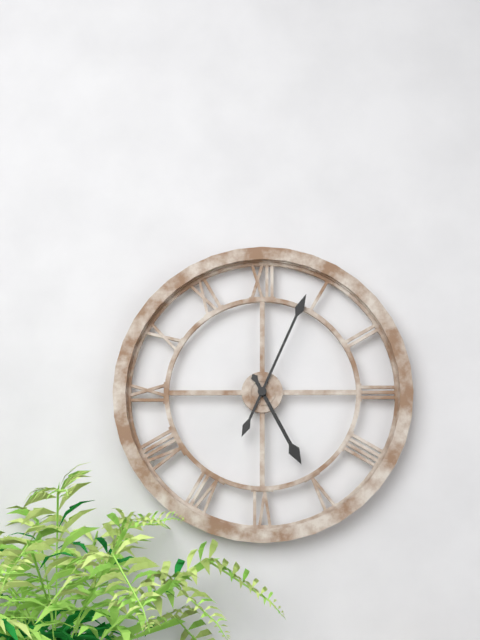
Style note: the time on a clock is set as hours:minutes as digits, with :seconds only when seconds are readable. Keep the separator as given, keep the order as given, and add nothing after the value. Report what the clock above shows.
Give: 5:04
